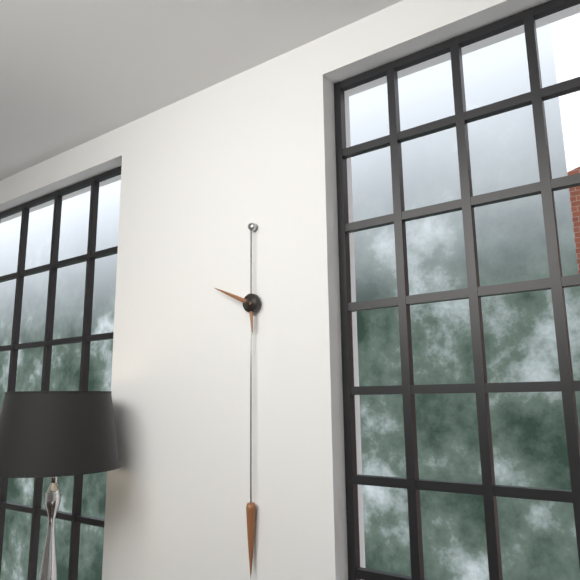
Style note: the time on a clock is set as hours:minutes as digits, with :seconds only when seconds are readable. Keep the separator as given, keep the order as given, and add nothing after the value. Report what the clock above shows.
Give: 5:49
